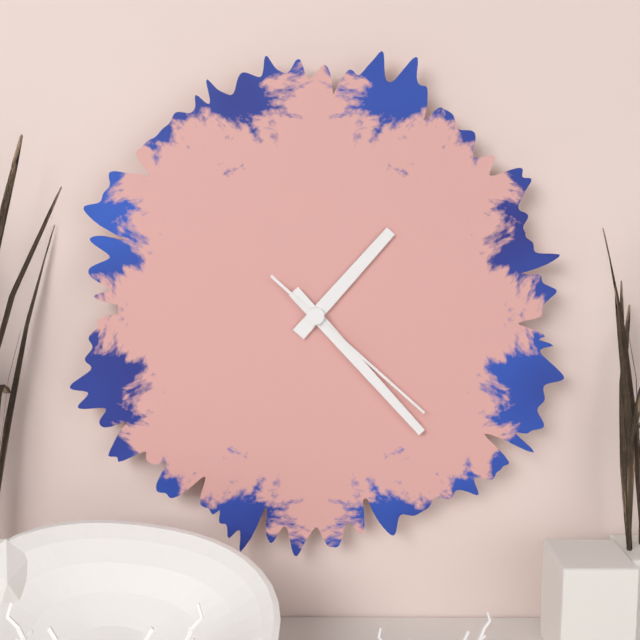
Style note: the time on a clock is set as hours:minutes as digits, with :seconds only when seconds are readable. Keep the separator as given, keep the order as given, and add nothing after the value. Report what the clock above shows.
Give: 1:23:22
